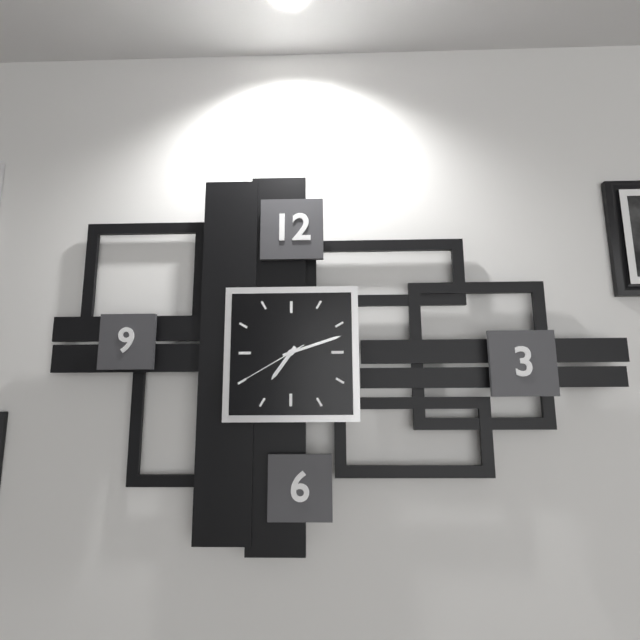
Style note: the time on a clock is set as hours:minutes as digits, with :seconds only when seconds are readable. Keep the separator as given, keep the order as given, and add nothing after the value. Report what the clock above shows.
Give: 7:12:40
